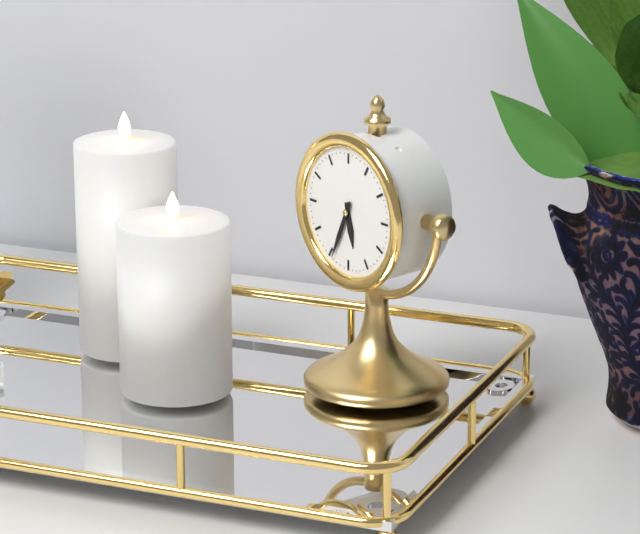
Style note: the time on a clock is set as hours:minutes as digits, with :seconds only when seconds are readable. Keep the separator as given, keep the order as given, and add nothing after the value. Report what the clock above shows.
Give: 5:34
